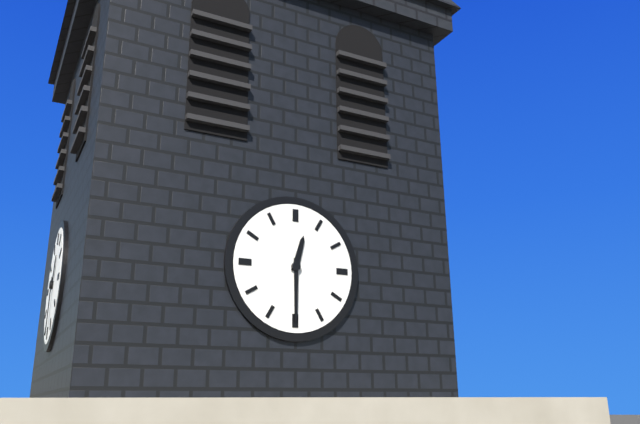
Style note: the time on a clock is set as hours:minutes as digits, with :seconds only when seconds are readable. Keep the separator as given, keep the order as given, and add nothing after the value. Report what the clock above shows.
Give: 12:30
